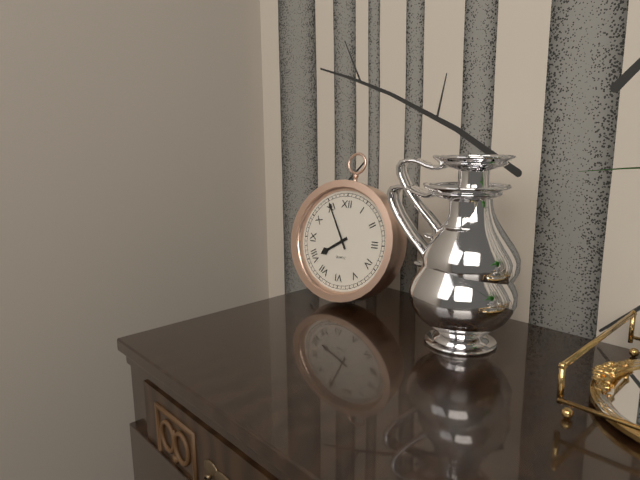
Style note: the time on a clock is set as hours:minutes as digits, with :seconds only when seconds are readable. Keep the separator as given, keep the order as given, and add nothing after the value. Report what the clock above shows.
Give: 7:55
